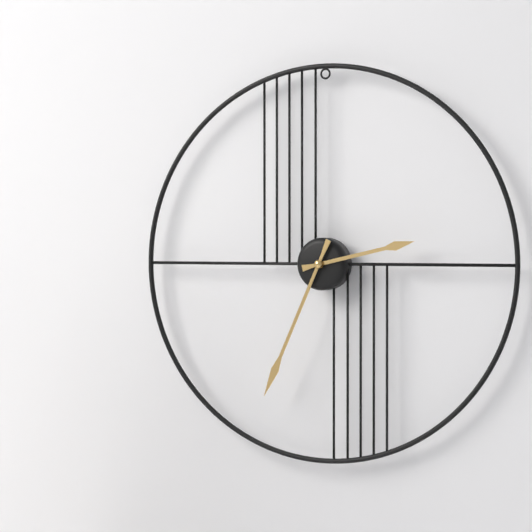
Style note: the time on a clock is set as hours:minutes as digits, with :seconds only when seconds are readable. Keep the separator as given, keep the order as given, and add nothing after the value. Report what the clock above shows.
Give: 2:34
